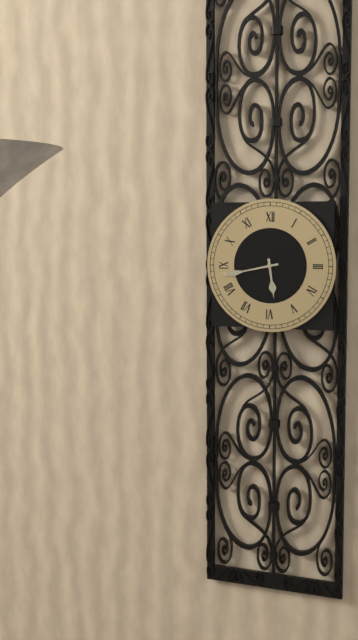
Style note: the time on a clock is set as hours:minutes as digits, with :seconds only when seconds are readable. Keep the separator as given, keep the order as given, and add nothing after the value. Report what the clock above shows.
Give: 5:43
